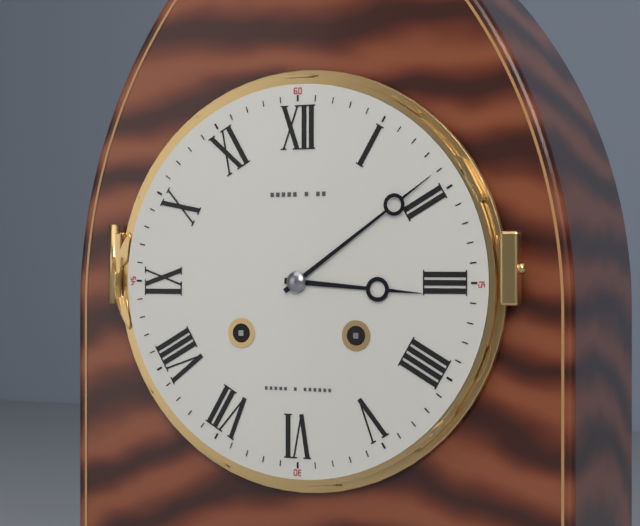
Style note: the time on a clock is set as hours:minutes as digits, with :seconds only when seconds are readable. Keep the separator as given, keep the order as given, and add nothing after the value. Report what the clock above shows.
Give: 3:09
